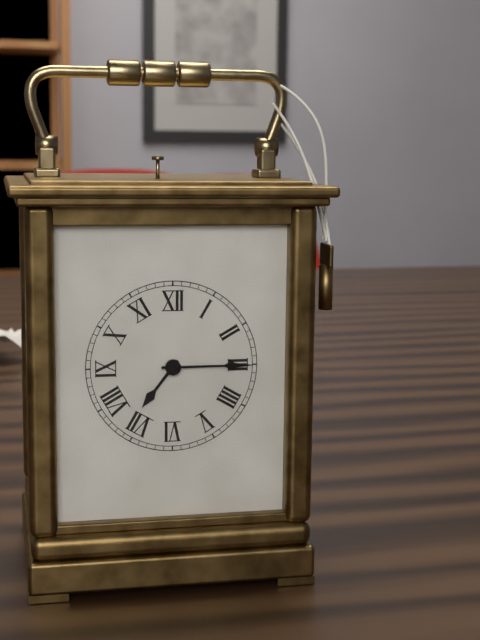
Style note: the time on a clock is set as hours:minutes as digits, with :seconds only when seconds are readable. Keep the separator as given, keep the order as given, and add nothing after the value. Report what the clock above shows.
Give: 7:15
